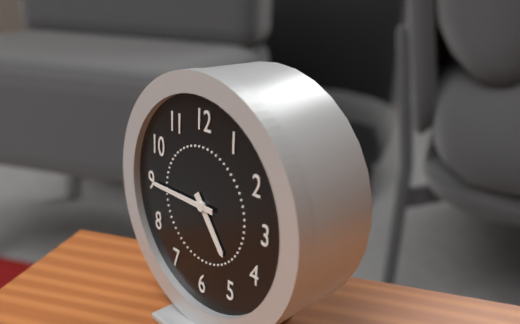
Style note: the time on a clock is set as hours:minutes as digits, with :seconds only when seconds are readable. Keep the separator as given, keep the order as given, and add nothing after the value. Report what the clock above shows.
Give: 4:45
